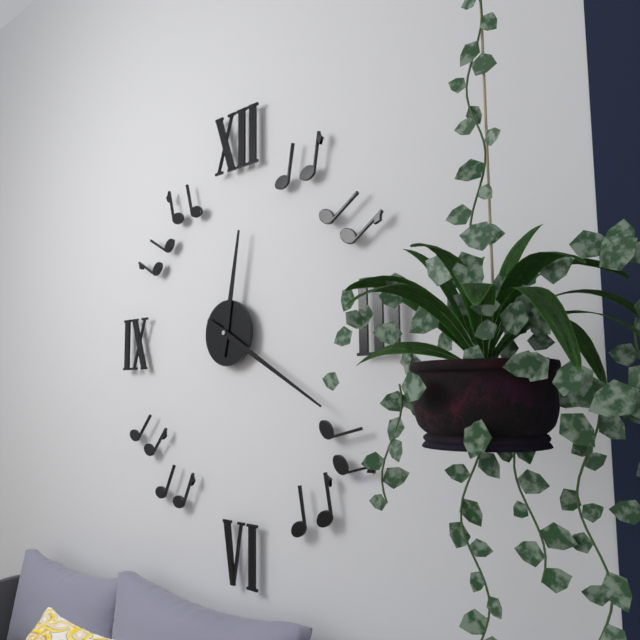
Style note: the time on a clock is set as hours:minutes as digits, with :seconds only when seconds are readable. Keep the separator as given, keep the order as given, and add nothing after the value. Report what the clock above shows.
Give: 12:20
